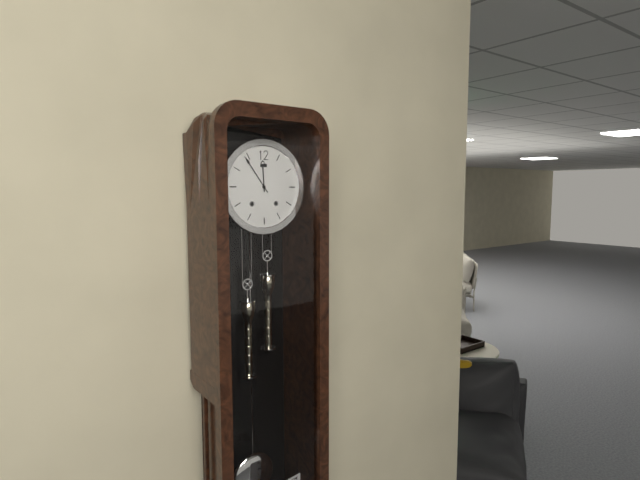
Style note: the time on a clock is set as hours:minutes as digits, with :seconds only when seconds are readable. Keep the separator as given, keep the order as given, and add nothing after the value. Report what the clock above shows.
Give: 11:54
